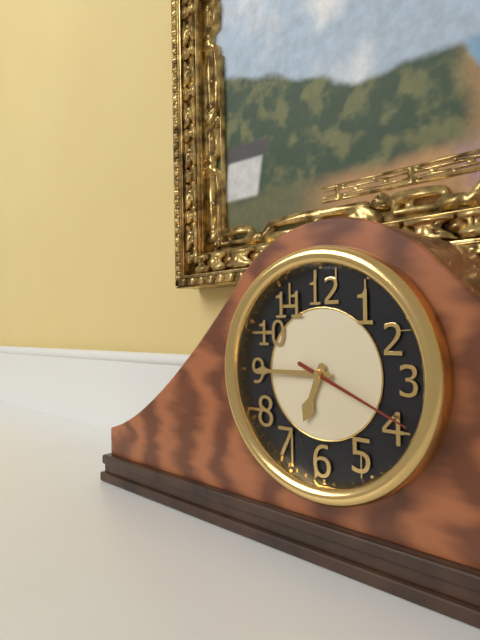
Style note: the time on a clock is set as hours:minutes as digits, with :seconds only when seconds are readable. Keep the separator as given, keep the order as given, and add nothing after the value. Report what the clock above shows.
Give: 6:45:19
